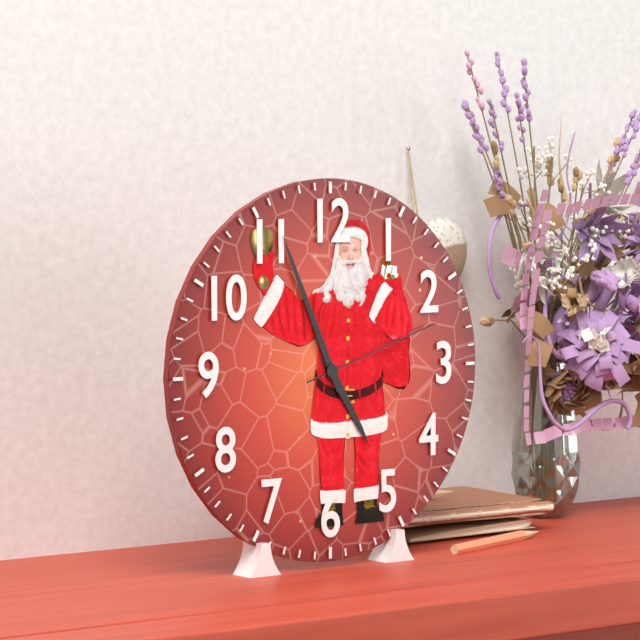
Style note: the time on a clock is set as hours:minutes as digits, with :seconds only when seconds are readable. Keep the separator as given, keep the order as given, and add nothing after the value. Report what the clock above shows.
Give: 4:56:12
